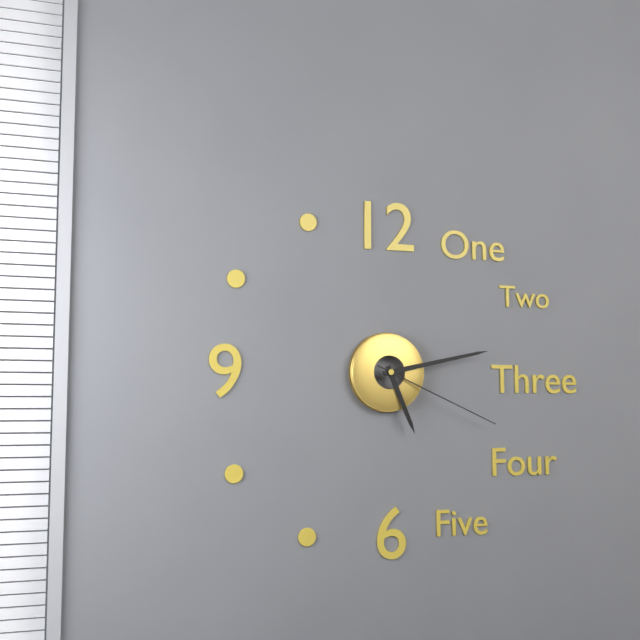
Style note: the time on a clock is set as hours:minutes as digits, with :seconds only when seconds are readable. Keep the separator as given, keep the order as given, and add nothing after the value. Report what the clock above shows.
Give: 5:13:19
